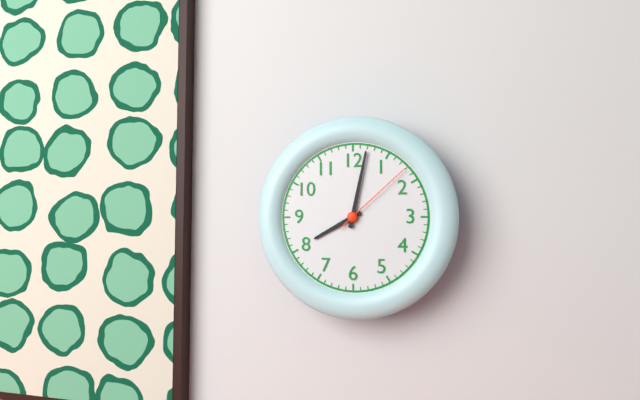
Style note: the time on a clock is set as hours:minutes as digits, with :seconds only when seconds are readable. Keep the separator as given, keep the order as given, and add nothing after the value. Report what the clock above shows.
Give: 8:02:08
